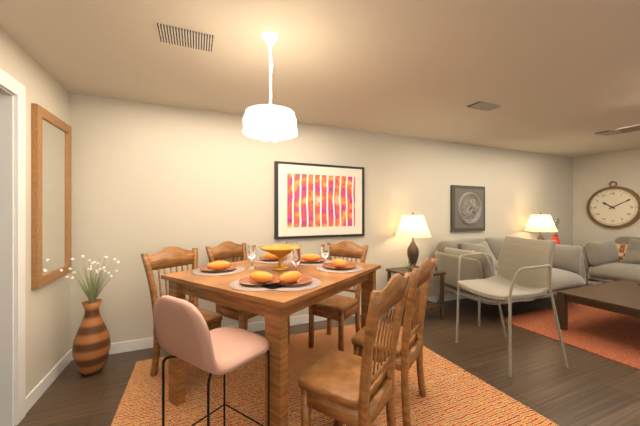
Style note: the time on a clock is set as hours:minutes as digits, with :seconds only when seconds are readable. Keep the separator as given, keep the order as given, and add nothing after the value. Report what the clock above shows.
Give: 10:10
